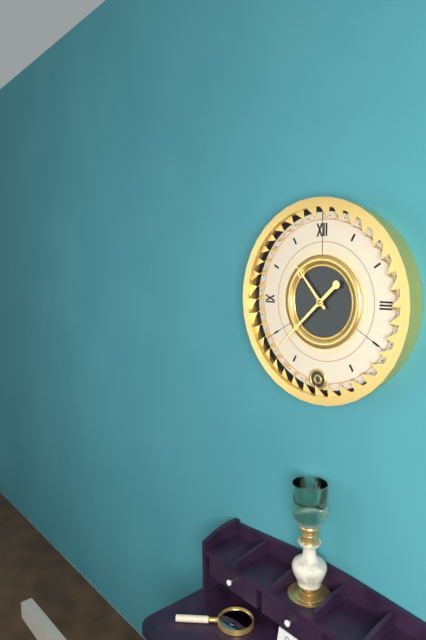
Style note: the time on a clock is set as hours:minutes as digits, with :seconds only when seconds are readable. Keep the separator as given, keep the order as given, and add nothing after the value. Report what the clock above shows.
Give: 10:38
